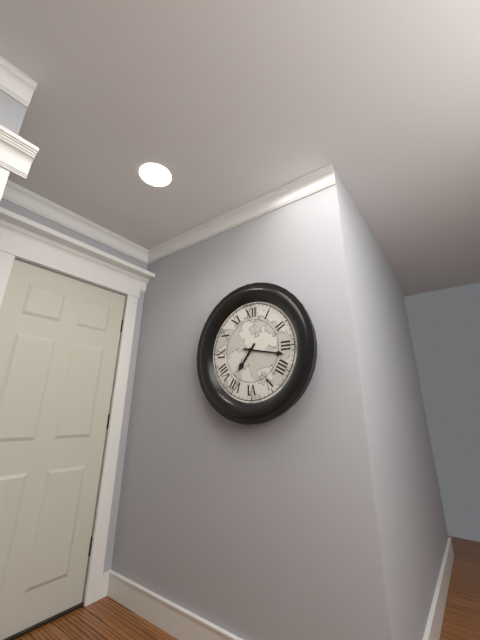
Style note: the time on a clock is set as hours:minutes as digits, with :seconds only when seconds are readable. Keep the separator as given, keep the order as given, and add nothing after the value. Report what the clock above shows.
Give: 7:17
